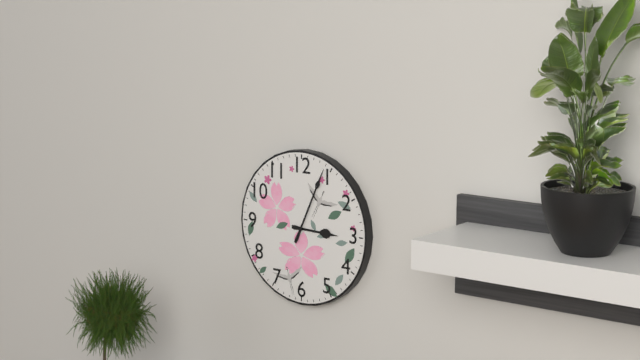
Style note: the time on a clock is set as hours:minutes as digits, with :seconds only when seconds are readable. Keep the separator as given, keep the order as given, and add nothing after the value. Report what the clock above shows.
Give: 3:04
